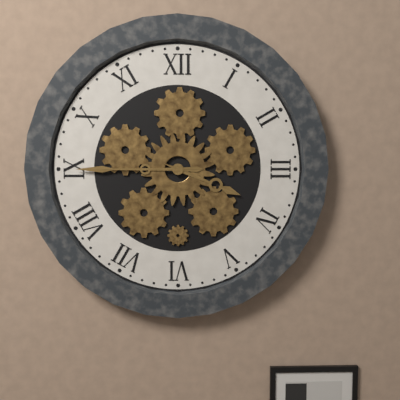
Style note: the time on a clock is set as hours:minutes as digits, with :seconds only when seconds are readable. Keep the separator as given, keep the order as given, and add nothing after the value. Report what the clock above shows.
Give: 3:45
